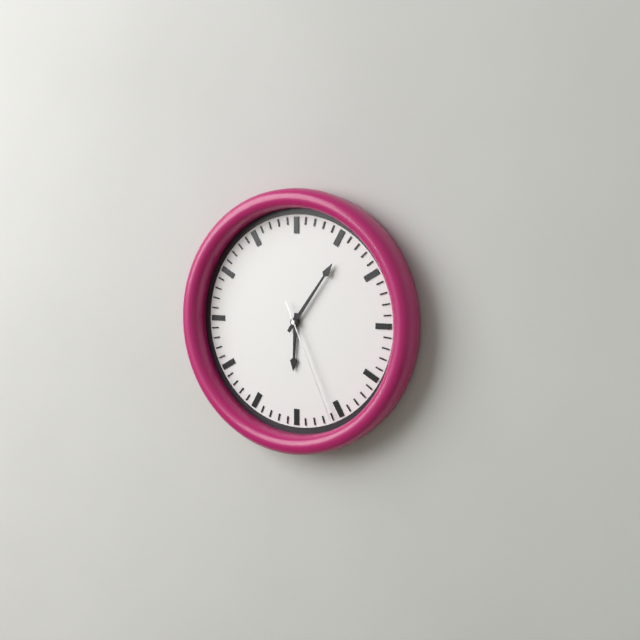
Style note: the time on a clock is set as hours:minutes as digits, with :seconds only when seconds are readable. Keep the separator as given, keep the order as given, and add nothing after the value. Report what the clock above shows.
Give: 6:06:26
